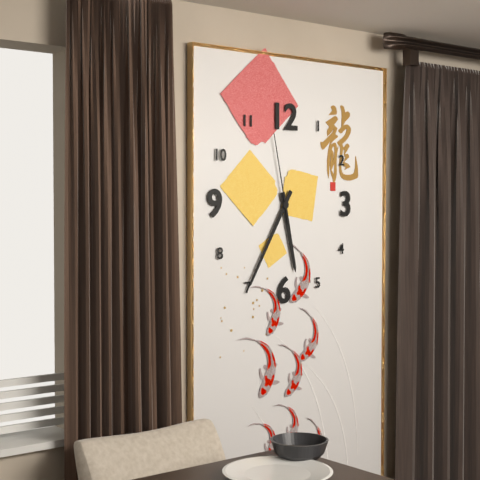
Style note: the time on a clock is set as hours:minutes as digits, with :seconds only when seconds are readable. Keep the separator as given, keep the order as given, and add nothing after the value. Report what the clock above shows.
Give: 5:35:58
